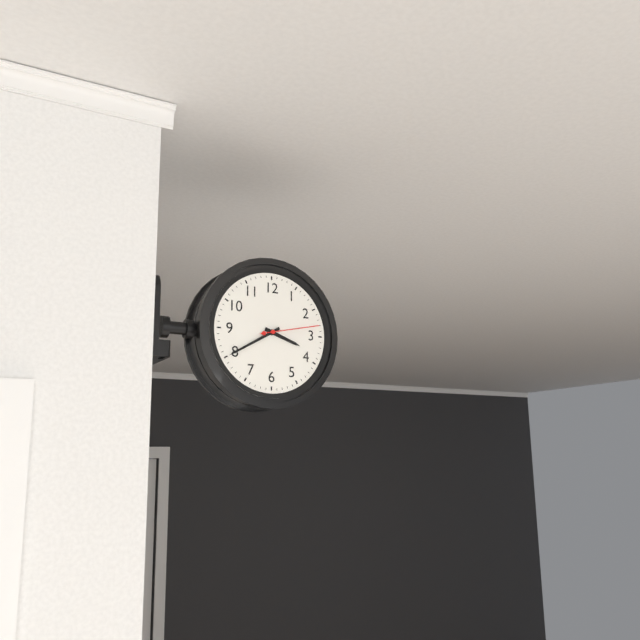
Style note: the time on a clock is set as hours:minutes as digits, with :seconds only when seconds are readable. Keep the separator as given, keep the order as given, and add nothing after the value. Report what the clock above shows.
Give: 3:40:13
